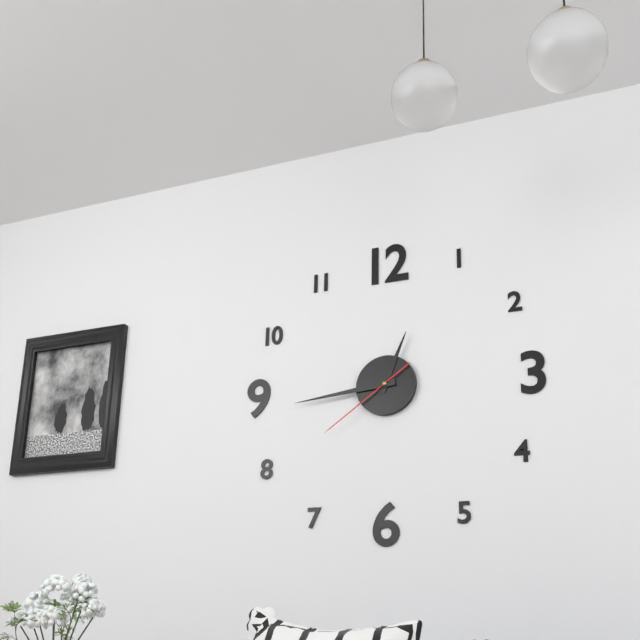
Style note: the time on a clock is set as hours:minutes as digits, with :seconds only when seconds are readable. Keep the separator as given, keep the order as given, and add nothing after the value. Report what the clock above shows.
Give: 12:44:39
